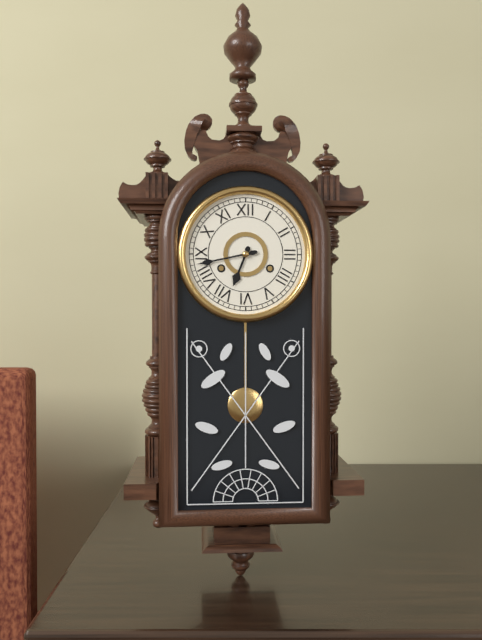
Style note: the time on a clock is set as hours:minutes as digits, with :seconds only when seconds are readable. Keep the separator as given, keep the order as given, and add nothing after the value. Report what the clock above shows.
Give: 6:43
